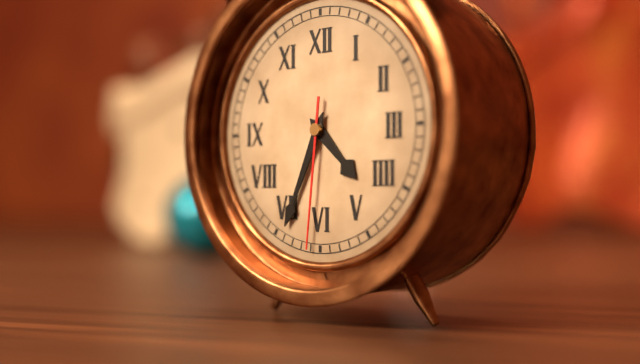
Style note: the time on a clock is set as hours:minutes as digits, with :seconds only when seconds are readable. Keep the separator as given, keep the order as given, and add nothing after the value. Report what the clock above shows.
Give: 4:34:31
